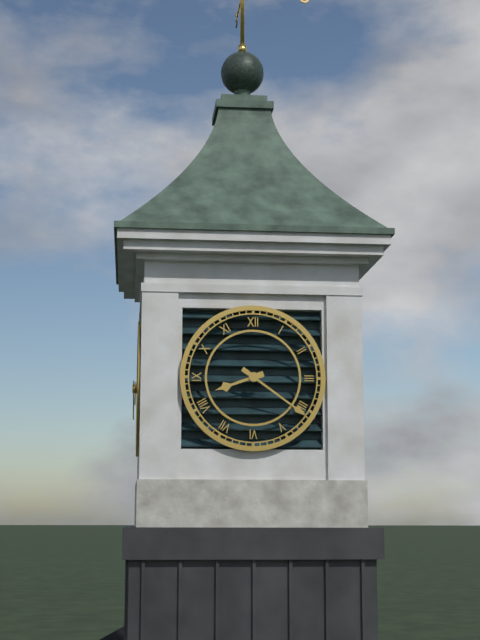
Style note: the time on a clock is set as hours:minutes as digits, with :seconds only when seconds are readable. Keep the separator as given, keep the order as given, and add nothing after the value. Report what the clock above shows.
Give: 8:21
